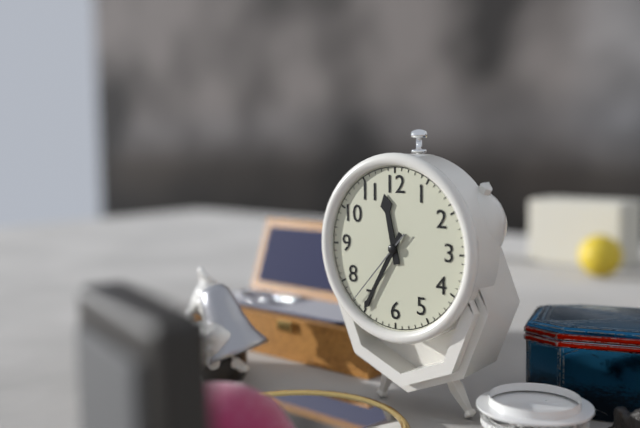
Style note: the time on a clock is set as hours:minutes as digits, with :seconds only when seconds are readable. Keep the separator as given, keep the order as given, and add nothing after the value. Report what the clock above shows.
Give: 11:35:37
